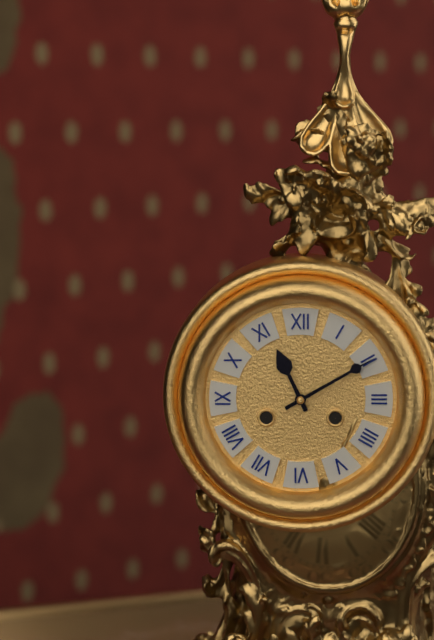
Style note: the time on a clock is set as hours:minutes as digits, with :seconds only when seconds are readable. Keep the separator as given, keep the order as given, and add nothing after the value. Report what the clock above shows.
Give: 11:10
